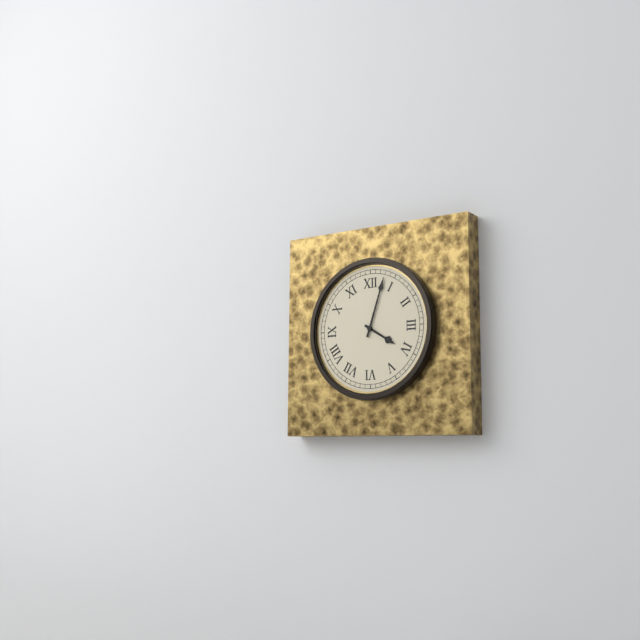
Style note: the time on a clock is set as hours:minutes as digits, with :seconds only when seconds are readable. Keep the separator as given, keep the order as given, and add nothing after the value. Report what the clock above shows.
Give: 4:03
